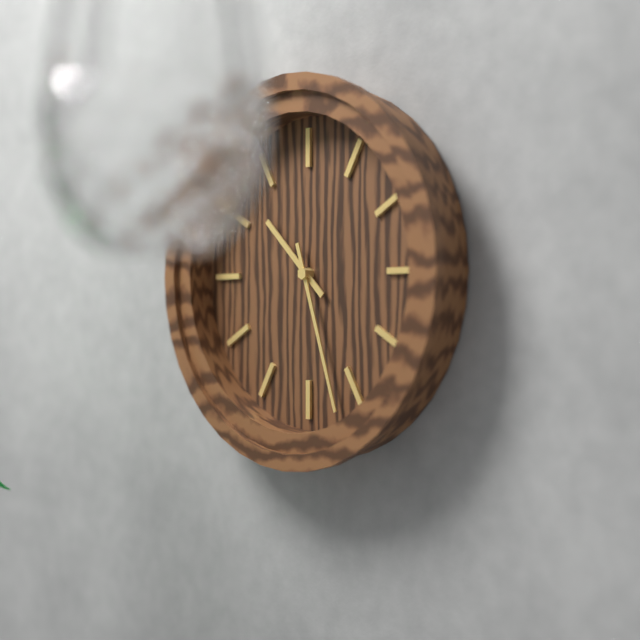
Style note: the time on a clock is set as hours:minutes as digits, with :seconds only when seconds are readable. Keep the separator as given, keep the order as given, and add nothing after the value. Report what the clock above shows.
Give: 10:27
